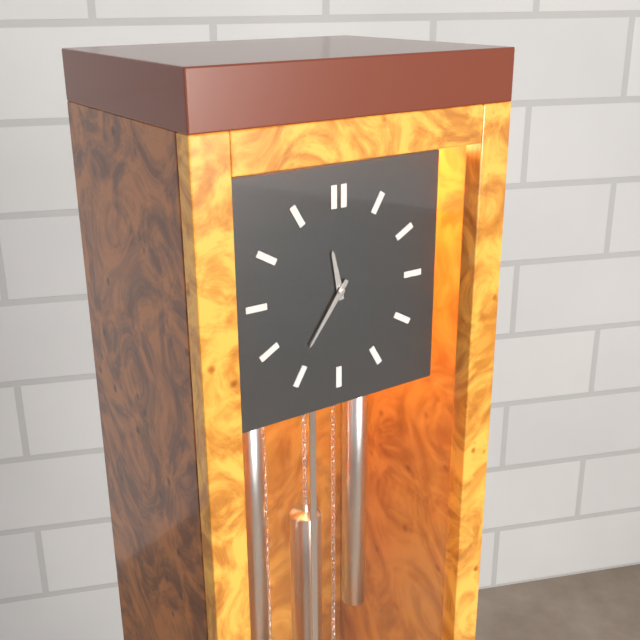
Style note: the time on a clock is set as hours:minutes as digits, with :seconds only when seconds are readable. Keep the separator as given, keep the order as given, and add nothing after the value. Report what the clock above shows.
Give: 11:36
